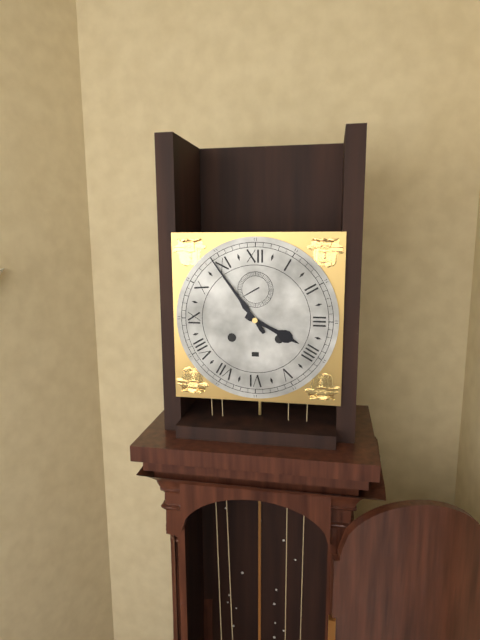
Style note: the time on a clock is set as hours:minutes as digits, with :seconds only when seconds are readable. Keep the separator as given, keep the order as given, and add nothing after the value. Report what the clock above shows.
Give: 3:54
